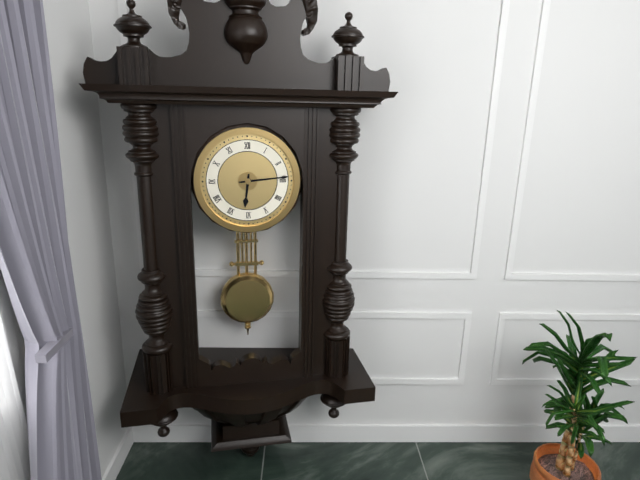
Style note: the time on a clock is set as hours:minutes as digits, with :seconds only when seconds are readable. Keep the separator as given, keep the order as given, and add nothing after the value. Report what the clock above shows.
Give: 6:14
